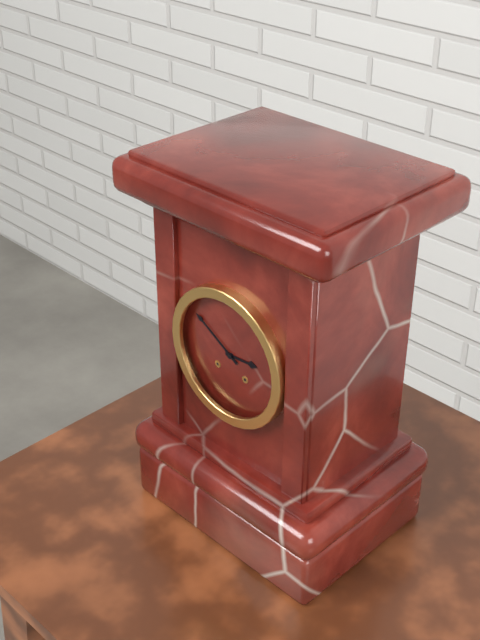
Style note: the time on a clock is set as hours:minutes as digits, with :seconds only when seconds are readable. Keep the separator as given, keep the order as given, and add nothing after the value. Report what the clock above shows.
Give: 2:50
